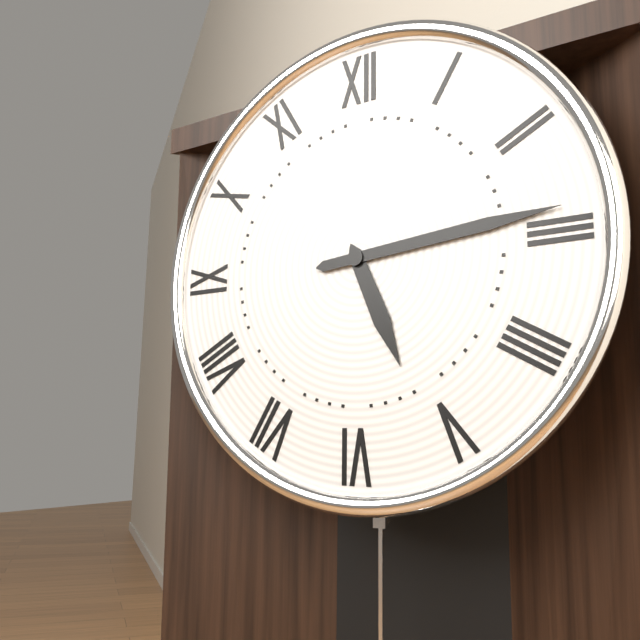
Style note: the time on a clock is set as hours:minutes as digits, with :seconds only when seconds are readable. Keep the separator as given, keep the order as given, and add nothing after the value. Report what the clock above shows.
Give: 5:14
